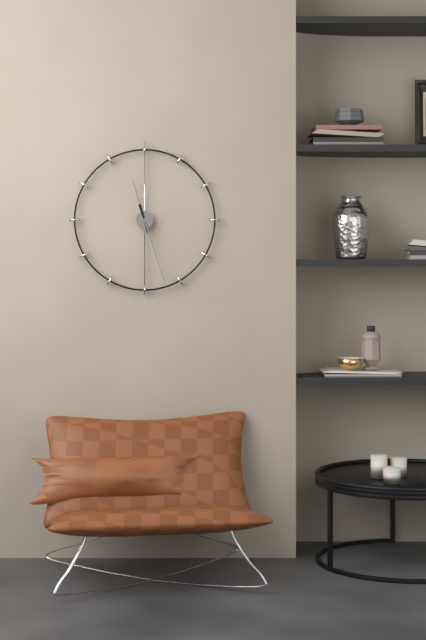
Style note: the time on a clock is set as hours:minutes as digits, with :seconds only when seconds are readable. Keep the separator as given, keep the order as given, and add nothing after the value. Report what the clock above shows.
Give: 11:27
